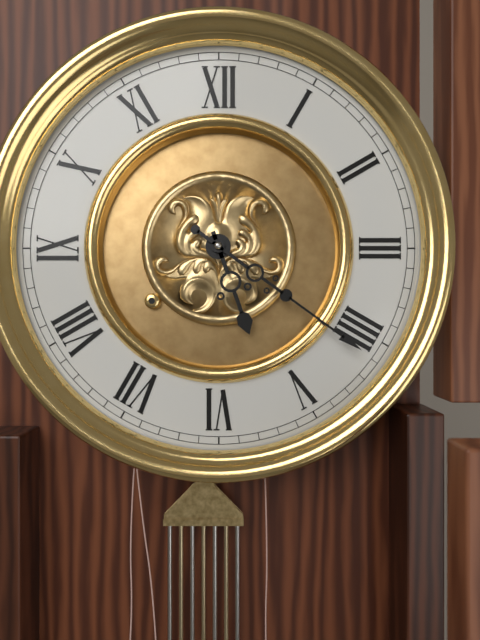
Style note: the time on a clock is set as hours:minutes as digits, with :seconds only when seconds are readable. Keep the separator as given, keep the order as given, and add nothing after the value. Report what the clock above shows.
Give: 5:21
